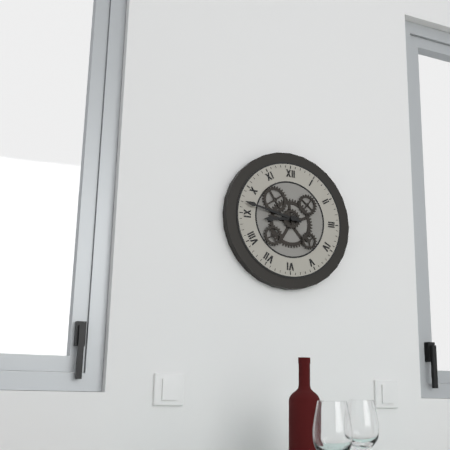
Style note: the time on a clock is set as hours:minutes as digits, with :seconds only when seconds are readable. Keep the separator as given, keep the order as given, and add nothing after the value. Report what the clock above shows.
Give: 8:47
